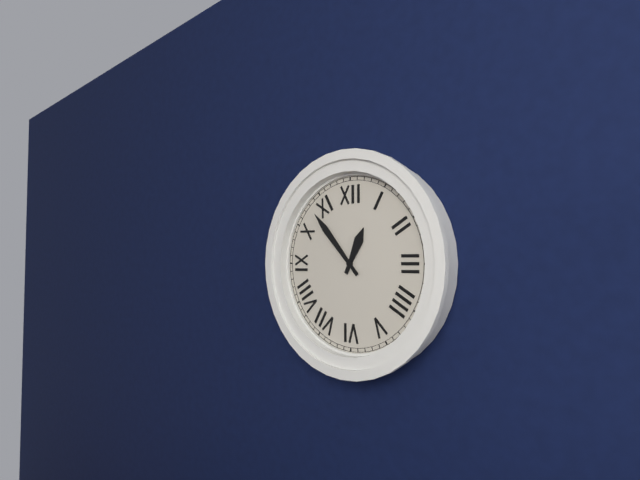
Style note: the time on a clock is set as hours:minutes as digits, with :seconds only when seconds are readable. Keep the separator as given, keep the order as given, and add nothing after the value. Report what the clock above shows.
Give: 12:53
